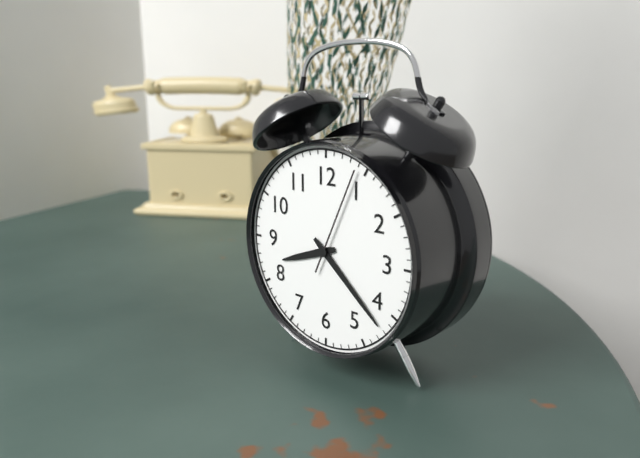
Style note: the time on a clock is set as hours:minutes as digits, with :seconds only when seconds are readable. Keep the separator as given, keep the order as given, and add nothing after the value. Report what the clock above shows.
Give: 8:22:04
